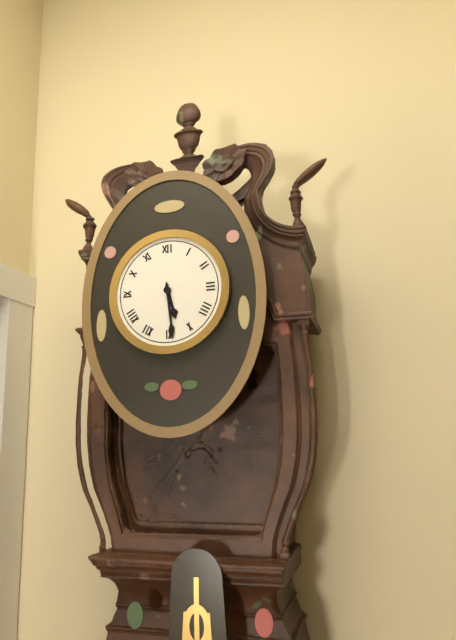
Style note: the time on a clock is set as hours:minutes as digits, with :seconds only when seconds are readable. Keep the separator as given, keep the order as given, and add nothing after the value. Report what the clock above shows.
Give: 5:29
